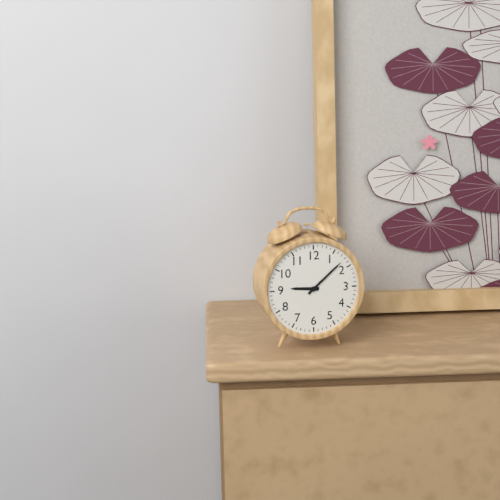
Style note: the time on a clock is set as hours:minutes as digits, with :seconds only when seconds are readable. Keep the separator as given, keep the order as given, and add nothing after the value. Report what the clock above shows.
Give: 9:08
